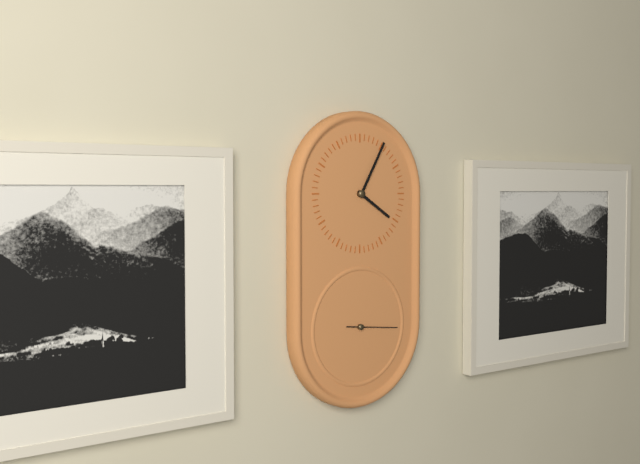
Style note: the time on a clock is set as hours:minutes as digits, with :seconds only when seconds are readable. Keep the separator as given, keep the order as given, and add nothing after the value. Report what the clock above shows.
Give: 4:05
